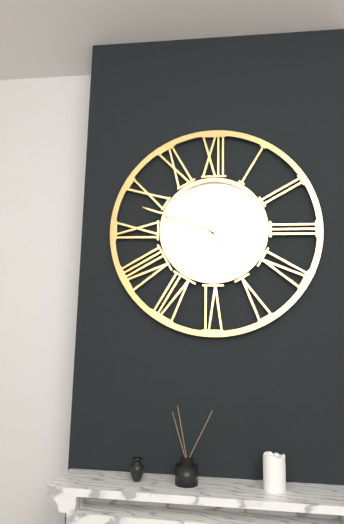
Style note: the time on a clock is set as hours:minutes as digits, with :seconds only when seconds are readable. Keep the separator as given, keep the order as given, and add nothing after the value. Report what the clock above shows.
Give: 4:48
